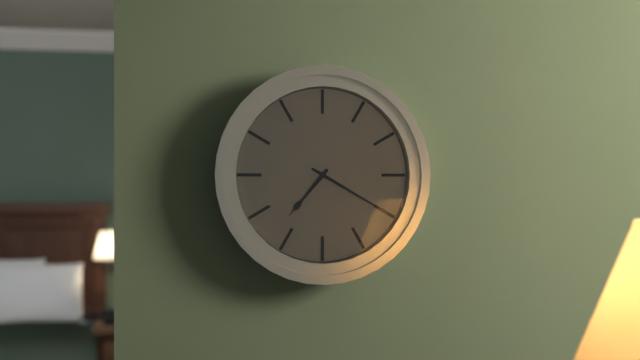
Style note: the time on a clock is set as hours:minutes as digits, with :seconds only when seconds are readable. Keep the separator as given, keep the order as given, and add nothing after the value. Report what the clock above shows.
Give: 7:20
